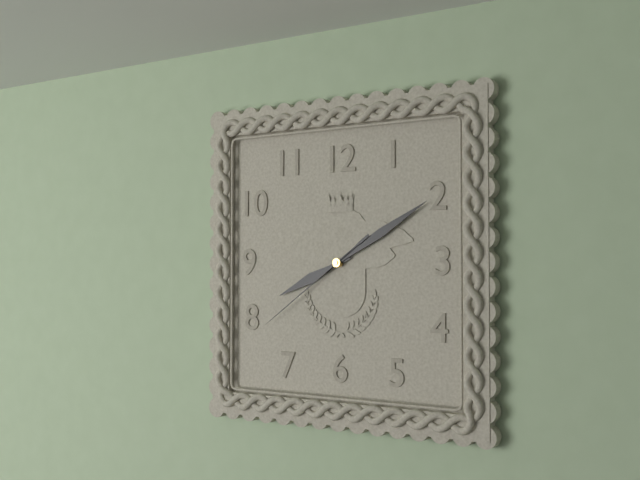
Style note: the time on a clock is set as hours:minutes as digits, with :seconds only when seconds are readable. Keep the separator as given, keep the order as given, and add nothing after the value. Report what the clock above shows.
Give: 8:10:39
